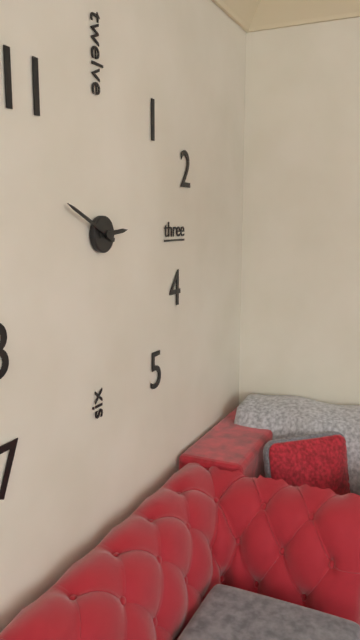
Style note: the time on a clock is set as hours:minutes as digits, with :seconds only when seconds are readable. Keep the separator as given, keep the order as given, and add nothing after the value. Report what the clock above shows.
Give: 2:49
